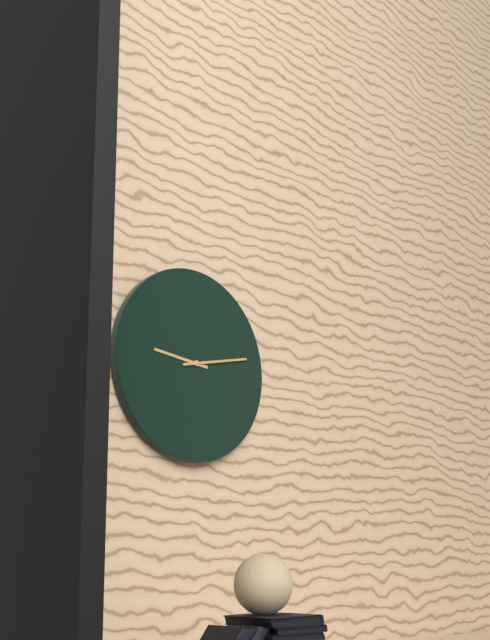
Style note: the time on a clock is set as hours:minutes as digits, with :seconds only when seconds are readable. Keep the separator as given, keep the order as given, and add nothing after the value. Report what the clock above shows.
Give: 9:13
